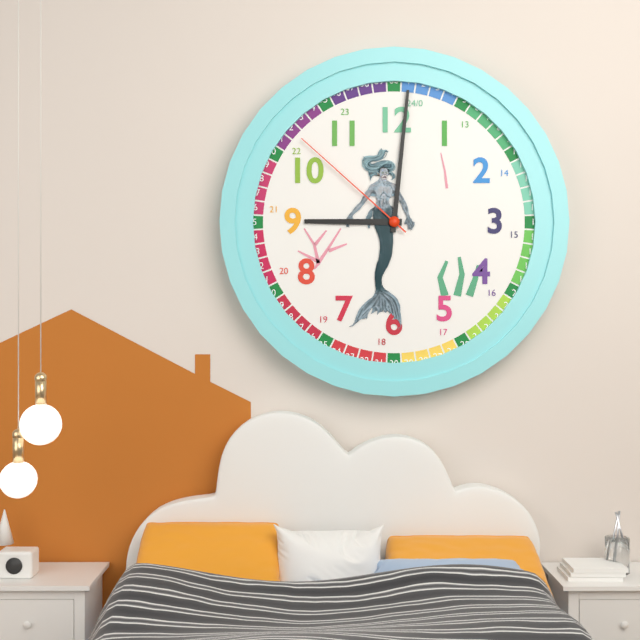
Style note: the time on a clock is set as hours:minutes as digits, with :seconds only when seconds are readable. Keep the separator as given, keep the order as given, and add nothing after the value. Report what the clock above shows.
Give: 9:01:52
